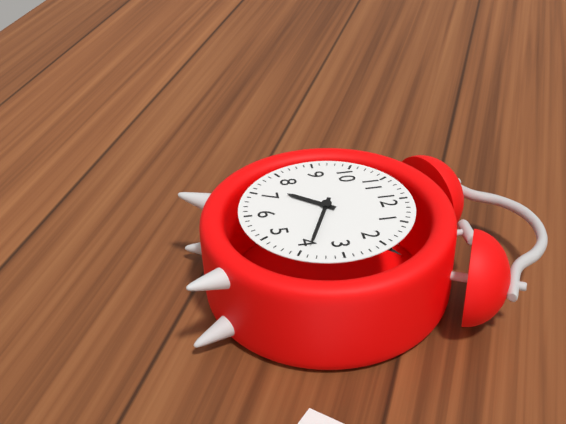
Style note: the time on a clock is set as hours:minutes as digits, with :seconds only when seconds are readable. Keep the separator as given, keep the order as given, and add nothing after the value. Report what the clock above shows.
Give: 7:19
